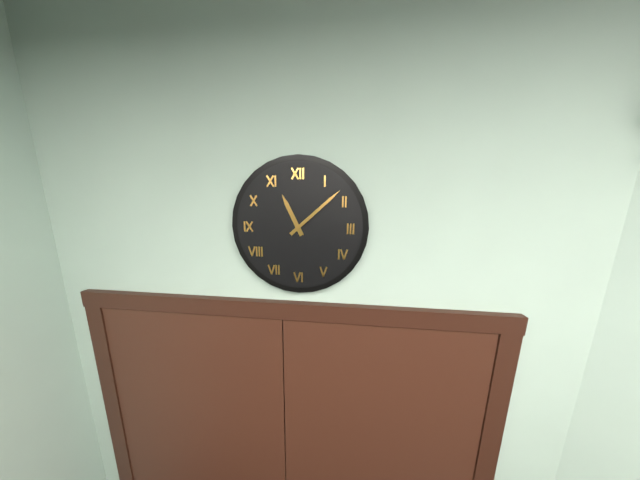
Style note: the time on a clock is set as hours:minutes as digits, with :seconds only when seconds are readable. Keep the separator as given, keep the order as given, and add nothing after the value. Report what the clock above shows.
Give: 11:08
